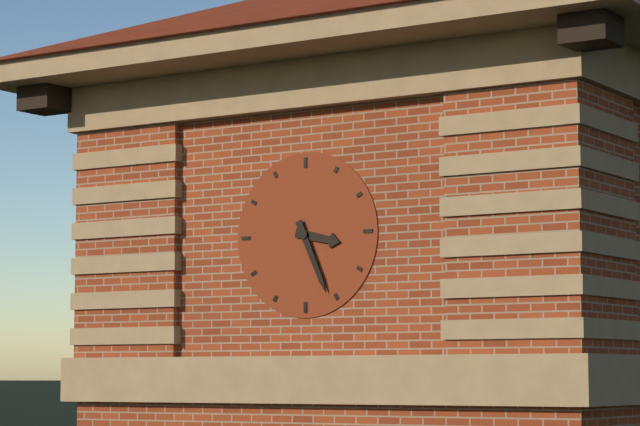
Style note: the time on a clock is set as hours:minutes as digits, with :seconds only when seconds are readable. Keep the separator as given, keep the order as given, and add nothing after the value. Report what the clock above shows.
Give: 3:26
